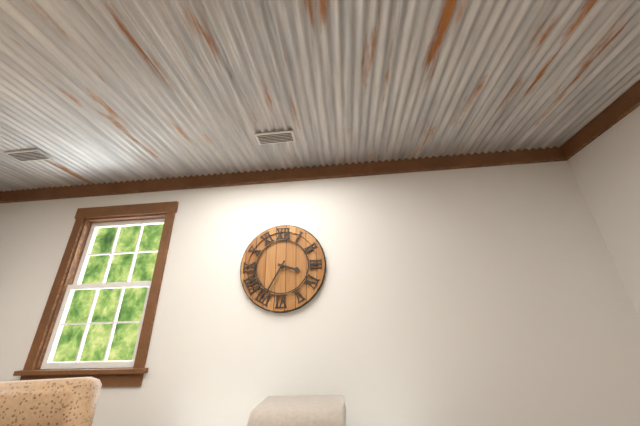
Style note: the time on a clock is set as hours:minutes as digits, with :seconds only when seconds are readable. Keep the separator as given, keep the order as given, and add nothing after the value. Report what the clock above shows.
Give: 3:35
